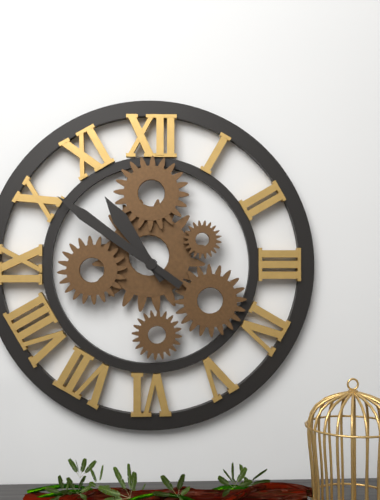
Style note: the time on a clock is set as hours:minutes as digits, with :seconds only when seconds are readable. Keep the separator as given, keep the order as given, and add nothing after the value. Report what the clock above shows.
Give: 10:51
